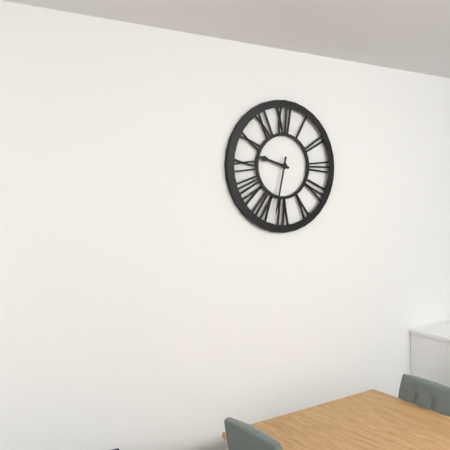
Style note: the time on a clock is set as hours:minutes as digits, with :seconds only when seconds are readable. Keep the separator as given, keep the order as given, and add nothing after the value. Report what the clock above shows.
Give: 9:32
